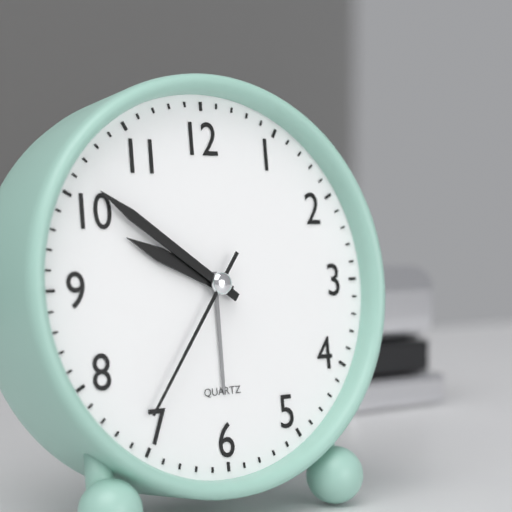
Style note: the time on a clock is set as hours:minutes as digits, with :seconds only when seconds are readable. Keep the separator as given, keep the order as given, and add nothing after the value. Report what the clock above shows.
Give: 9:51:36
